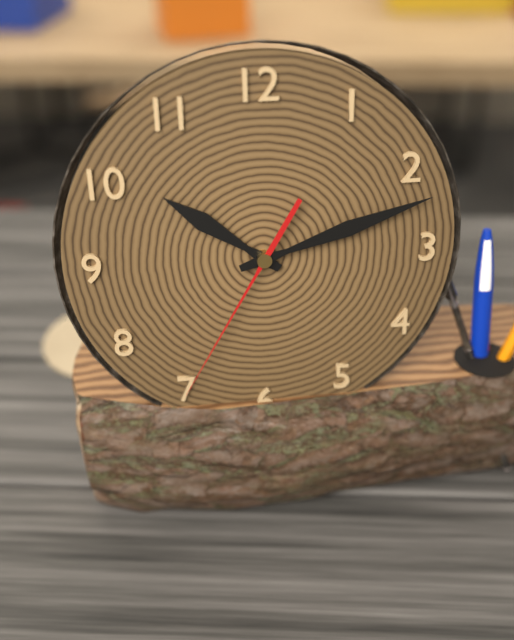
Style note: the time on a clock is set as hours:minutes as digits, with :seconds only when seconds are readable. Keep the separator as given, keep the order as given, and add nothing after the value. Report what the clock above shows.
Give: 10:12:35
